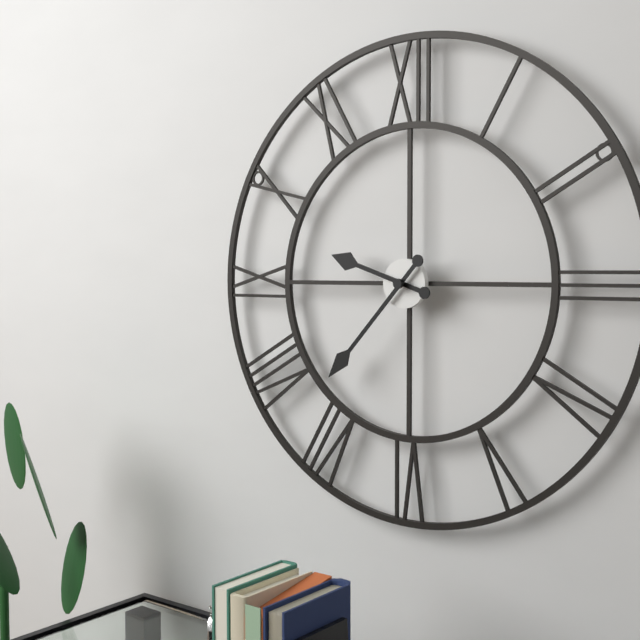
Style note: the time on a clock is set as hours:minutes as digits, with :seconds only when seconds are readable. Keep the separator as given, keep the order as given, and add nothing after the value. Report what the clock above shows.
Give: 9:37
